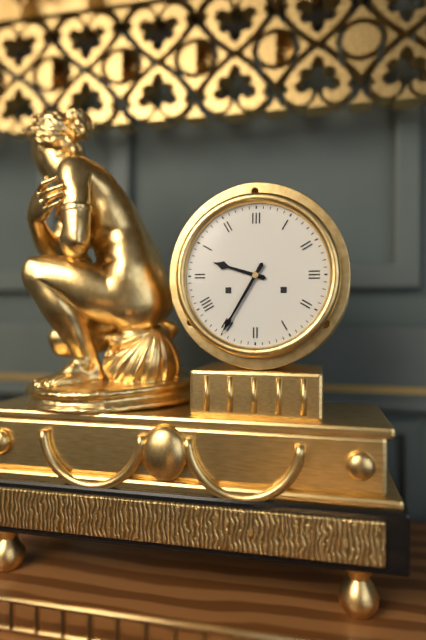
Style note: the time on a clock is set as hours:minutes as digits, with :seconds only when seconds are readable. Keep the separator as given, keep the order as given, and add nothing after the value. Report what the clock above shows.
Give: 9:35
